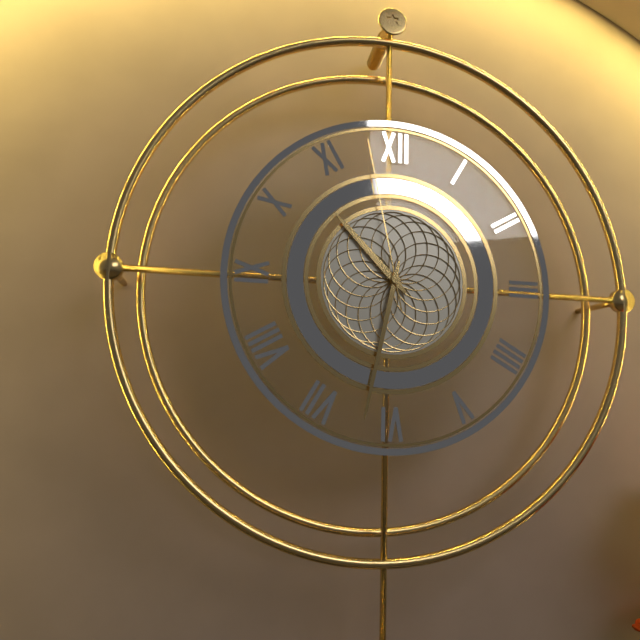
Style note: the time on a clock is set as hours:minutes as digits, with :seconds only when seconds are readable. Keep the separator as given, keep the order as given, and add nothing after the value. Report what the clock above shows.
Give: 10:32:58
